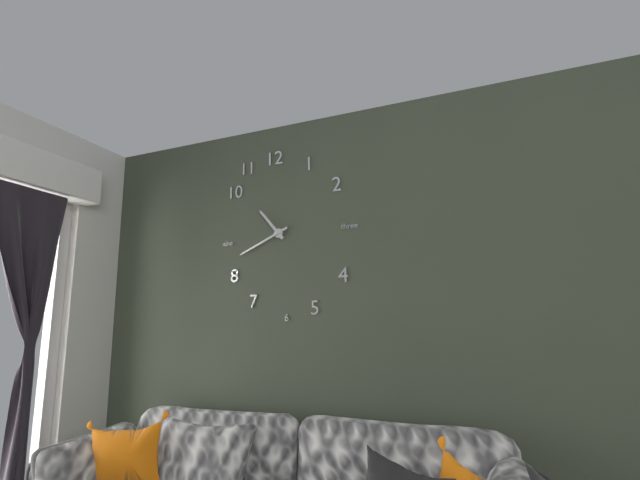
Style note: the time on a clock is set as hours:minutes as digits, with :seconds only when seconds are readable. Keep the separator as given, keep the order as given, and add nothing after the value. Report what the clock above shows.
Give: 10:41
